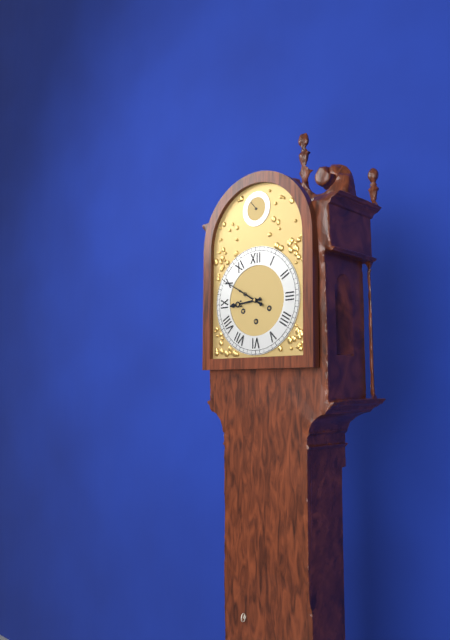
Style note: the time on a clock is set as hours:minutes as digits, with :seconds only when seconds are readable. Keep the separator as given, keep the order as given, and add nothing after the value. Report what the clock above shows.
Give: 8:50
